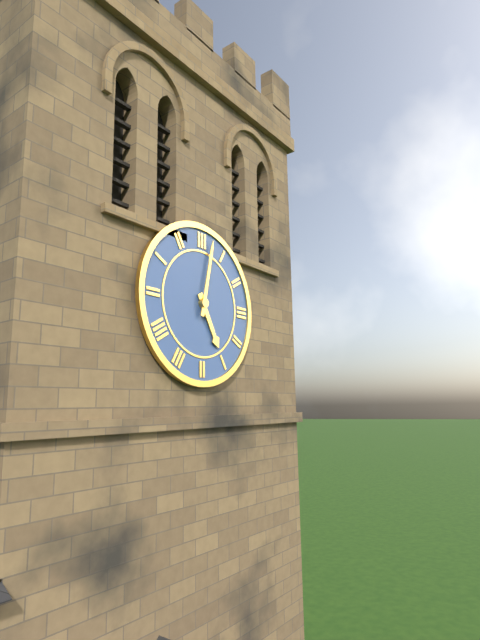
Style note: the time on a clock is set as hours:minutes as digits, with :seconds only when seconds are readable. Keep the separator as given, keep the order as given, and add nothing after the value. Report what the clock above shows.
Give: 5:02
